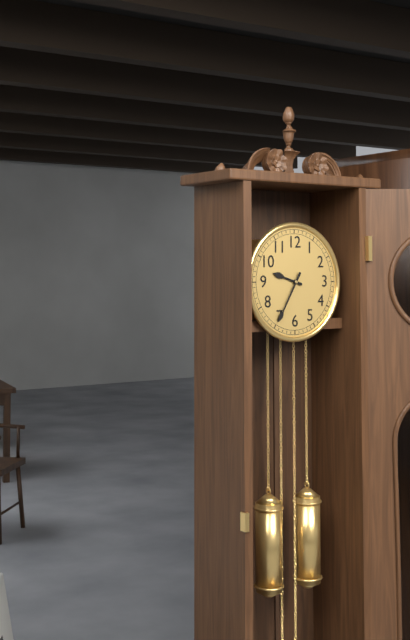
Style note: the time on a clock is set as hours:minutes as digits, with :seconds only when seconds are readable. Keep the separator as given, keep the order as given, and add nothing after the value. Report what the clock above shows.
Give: 9:35
